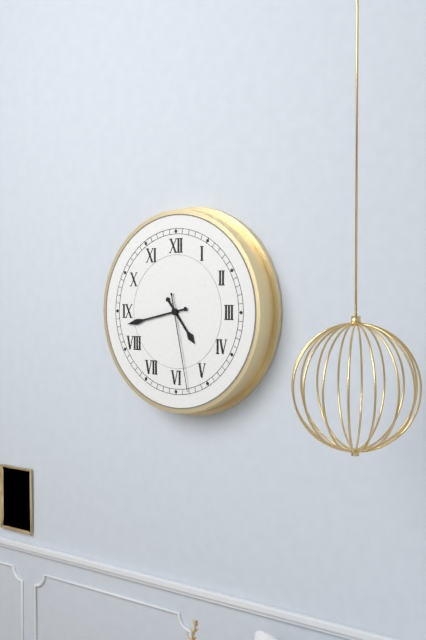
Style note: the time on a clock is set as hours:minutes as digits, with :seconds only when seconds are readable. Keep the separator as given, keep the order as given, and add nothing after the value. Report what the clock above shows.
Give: 4:43:28
